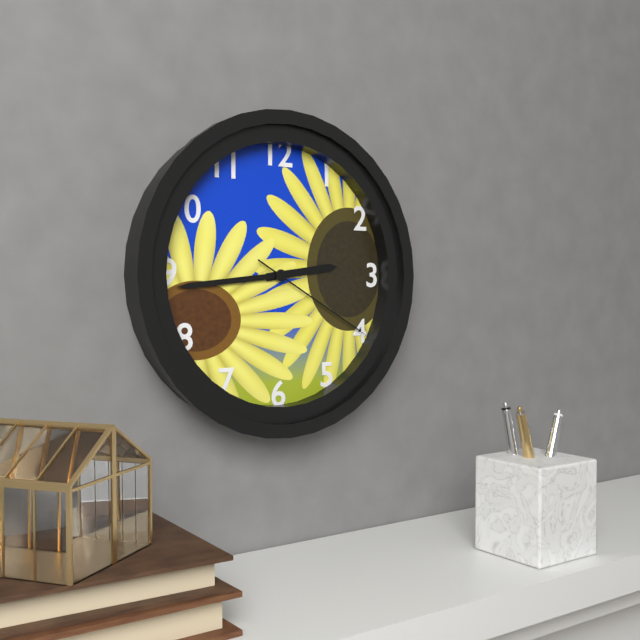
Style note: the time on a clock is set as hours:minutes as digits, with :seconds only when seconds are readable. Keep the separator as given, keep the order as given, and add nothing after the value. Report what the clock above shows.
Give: 2:44:20
